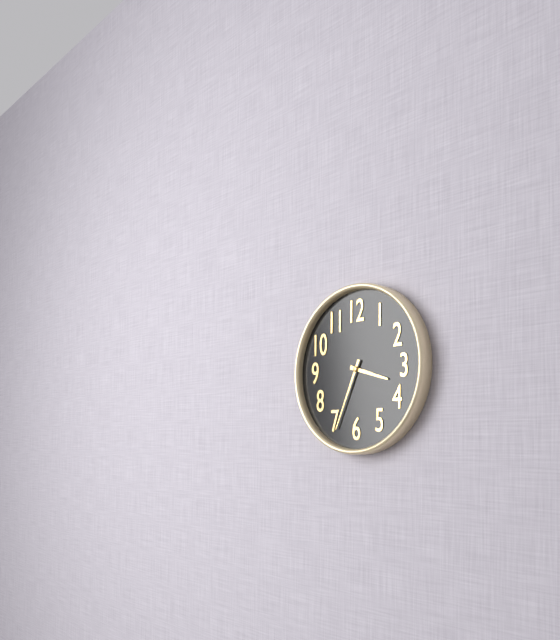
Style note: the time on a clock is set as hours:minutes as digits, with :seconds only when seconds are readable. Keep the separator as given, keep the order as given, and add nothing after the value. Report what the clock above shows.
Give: 3:34
